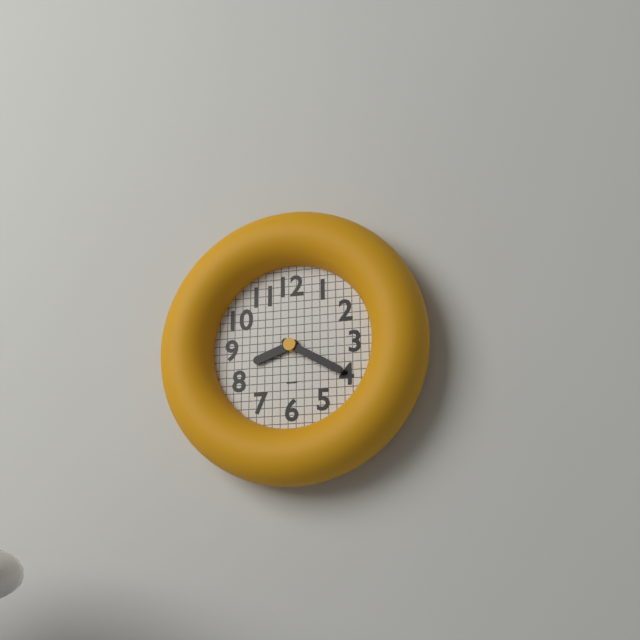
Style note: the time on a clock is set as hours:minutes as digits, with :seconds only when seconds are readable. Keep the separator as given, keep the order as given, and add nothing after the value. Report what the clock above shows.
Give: 8:20
